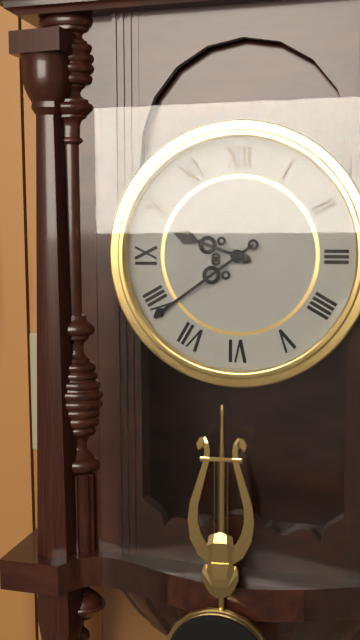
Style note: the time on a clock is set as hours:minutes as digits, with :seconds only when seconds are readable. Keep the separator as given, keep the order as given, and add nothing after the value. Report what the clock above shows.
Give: 9:39
